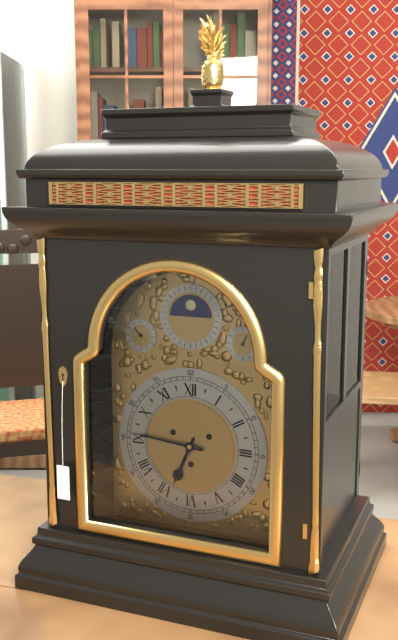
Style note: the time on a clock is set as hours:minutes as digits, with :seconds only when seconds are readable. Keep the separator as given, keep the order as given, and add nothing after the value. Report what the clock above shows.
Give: 6:46
